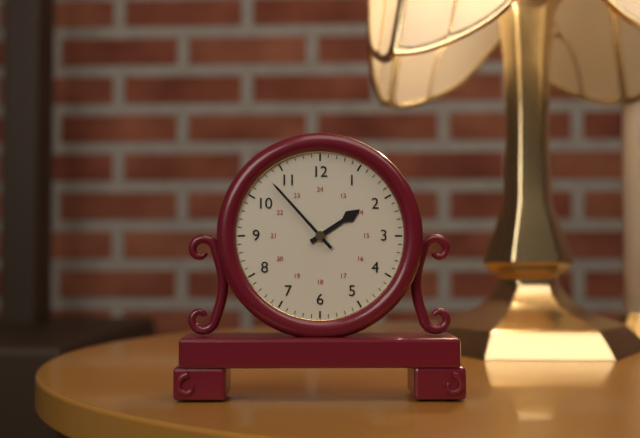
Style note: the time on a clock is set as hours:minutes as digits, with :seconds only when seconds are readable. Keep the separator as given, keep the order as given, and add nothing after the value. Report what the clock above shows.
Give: 1:53
